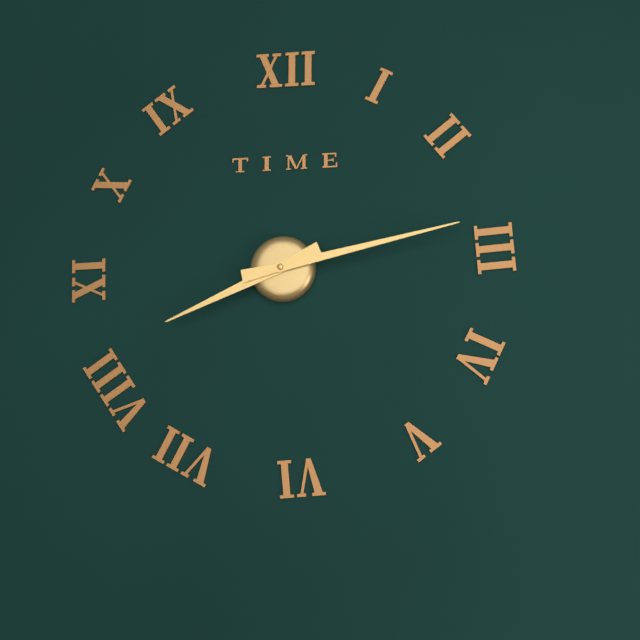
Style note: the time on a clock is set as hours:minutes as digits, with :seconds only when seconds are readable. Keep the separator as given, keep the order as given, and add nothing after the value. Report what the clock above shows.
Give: 8:13
